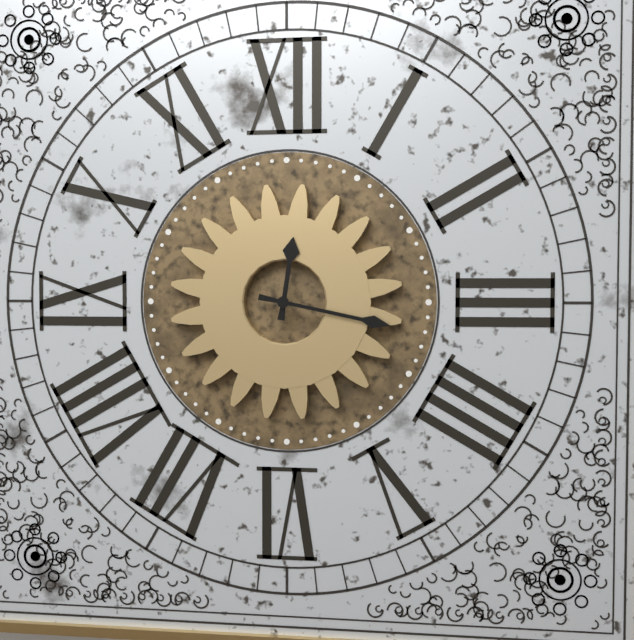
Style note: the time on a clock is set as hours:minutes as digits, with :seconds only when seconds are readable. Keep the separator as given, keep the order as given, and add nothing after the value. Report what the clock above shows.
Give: 12:17
